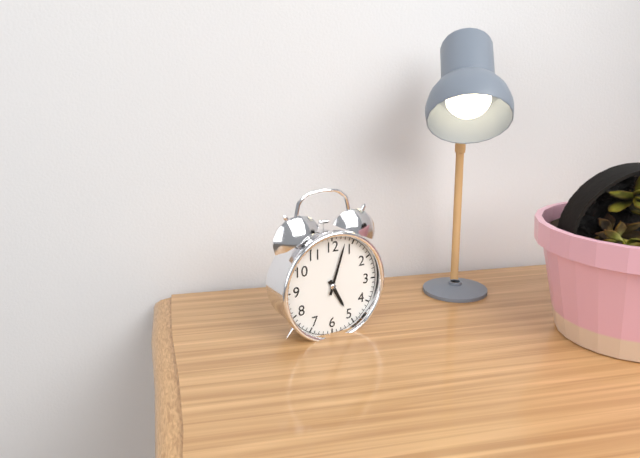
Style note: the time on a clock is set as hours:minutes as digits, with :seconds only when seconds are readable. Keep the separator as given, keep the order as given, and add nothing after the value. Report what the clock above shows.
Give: 5:03
